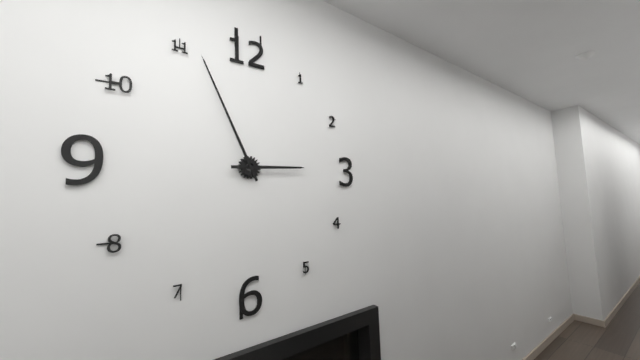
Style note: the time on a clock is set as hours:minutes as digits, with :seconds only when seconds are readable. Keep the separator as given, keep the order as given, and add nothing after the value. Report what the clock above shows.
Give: 2:56
